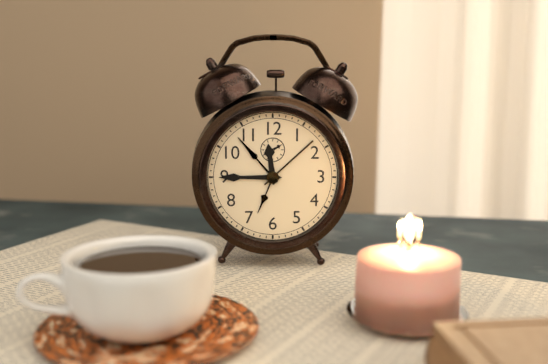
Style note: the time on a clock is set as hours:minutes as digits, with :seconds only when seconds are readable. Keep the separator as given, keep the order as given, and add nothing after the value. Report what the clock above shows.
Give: 11:45
